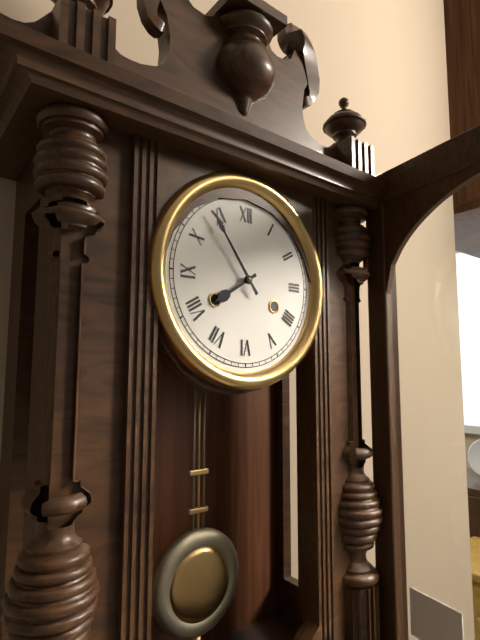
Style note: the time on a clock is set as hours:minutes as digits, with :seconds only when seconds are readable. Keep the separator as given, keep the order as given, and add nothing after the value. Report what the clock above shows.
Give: 7:54
